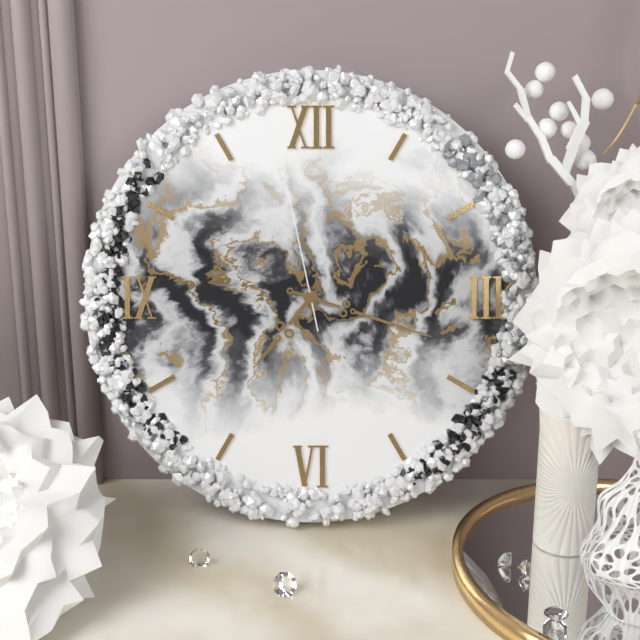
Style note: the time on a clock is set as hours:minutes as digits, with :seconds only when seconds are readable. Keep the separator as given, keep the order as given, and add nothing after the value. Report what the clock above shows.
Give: 7:18:58
